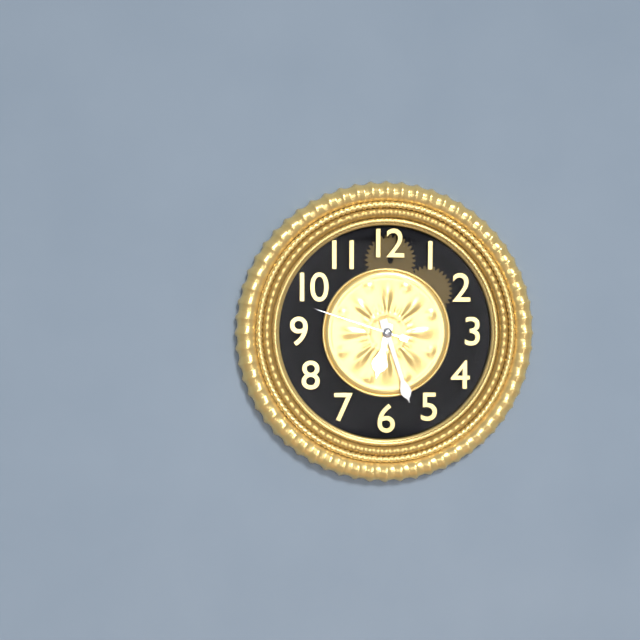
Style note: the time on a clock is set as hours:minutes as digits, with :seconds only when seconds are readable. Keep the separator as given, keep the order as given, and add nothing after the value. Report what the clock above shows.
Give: 6:27:48
